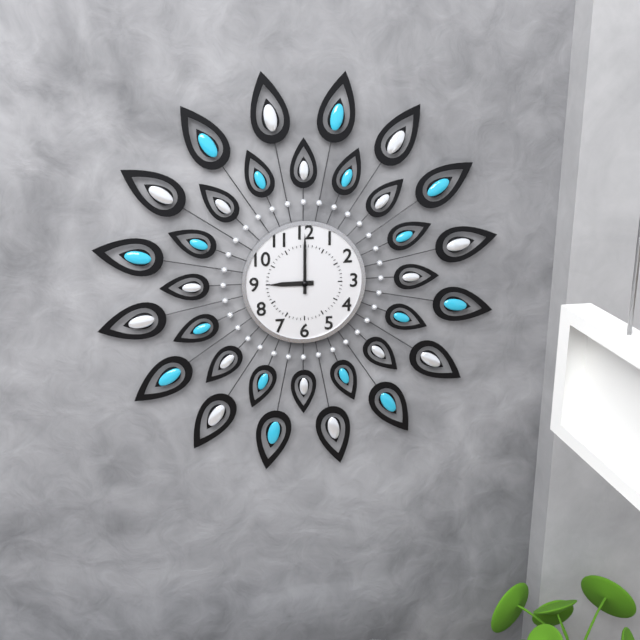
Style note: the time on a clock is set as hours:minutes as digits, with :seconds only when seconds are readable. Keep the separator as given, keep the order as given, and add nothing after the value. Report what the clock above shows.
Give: 9:00
